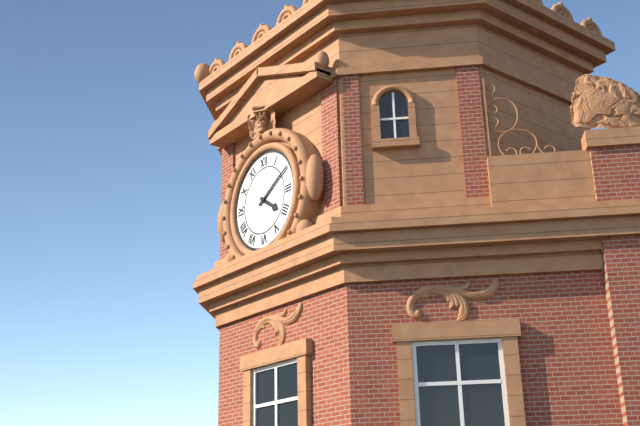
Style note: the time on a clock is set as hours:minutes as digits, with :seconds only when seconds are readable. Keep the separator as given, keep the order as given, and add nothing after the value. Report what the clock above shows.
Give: 4:10
